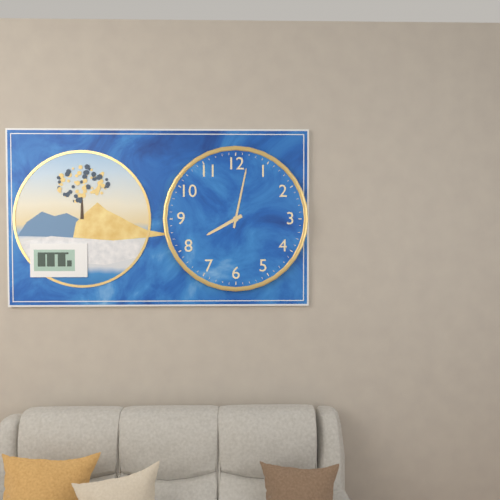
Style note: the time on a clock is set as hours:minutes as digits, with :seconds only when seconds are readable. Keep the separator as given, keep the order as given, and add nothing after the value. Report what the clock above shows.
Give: 8:02
